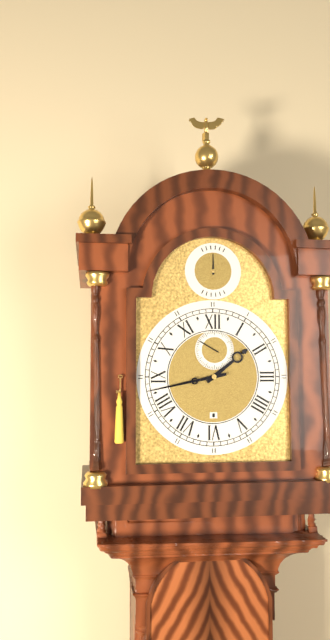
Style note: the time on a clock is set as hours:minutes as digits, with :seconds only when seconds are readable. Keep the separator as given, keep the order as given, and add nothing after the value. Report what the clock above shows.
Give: 1:43
